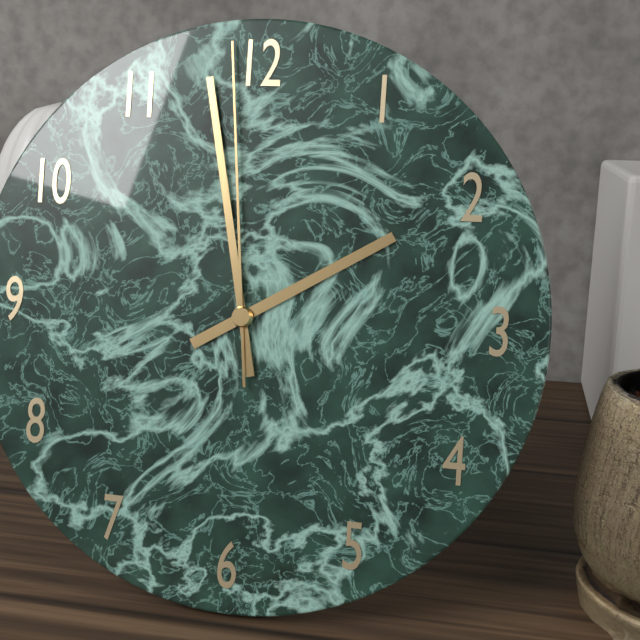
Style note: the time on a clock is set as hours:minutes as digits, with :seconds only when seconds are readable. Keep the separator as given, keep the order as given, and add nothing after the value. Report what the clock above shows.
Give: 1:58:59
